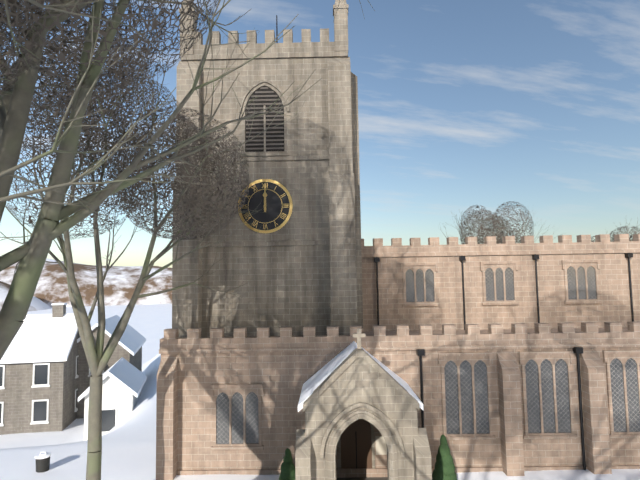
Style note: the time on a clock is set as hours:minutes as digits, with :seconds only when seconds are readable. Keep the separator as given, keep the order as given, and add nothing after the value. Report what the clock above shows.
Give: 12:00
